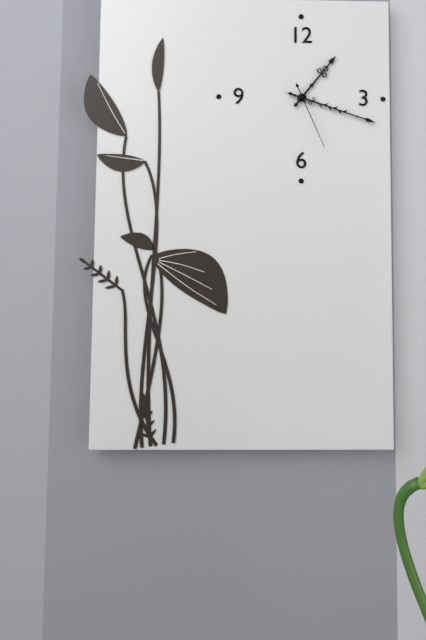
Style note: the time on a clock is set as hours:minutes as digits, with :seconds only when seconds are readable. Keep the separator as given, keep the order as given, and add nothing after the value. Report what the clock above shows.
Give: 1:18:26
